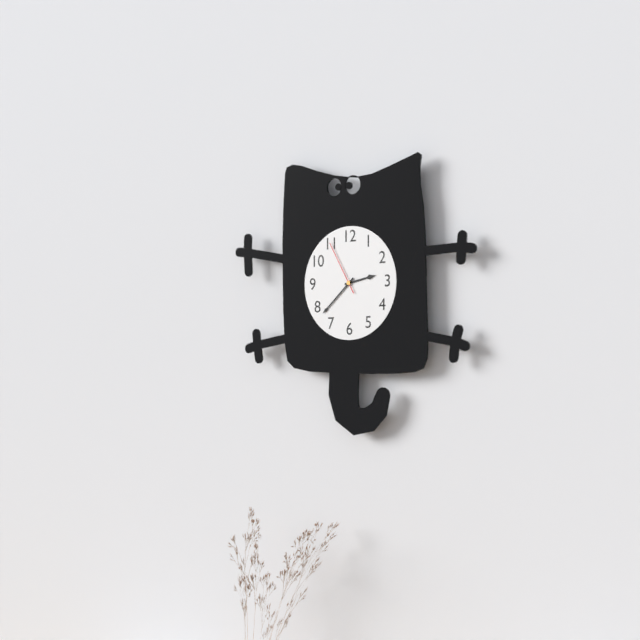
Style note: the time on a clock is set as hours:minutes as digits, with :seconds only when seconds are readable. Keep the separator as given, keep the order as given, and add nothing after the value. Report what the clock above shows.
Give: 2:38:55
